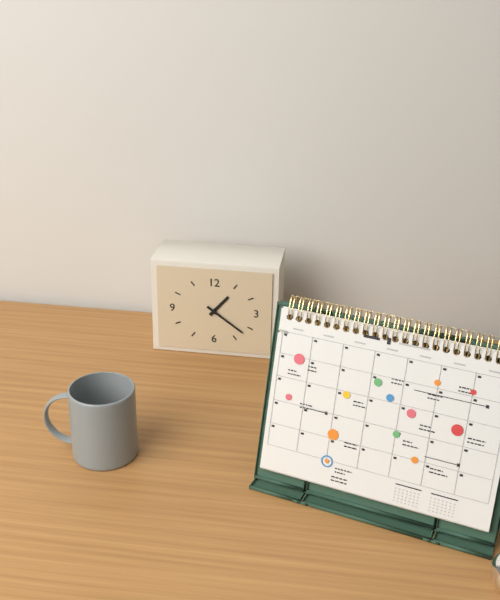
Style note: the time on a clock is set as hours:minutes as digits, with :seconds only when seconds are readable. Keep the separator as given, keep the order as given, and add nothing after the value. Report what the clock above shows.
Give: 1:21
